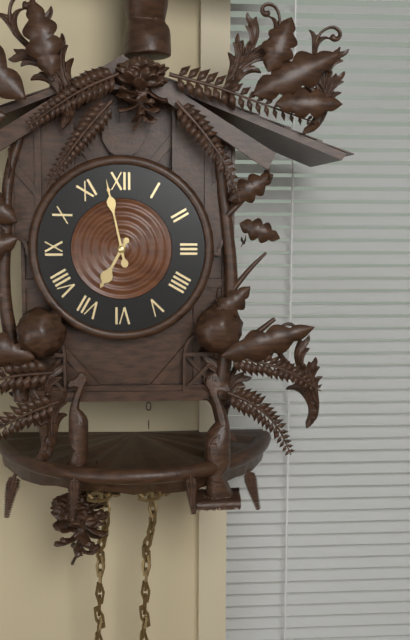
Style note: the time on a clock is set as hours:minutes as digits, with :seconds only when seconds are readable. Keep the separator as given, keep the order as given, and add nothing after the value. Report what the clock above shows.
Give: 6:58
